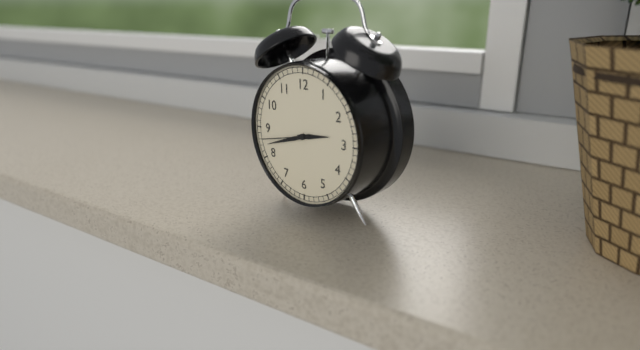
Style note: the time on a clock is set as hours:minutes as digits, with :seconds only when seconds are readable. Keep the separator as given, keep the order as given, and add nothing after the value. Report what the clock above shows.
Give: 2:42:43
